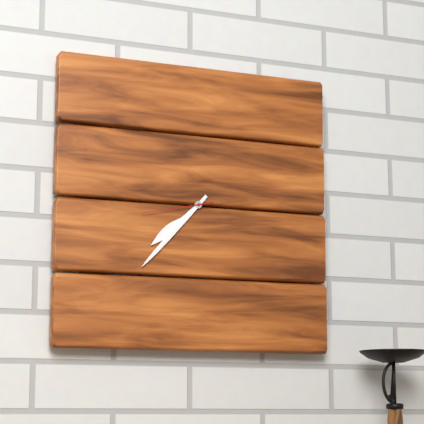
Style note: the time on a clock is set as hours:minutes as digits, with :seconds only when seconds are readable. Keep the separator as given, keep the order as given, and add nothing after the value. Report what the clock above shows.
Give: 7:37:43
